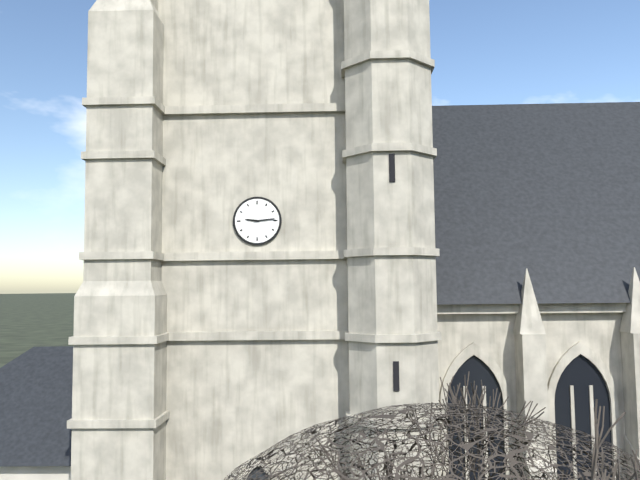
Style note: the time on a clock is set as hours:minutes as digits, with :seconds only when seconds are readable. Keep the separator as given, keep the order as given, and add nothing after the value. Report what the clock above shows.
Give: 9:14
